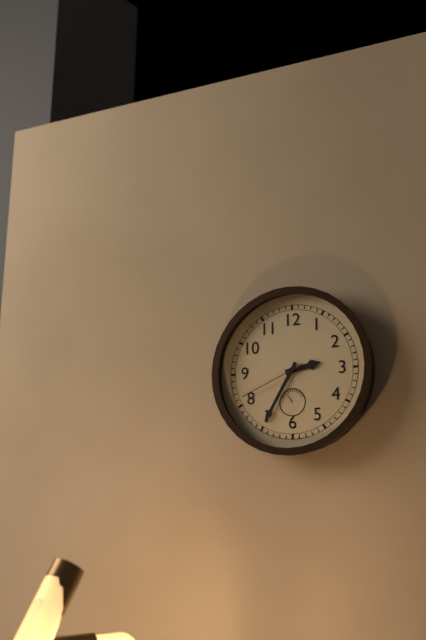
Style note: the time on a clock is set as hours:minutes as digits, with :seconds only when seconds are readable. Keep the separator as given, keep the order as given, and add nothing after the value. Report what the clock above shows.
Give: 2:35:41
